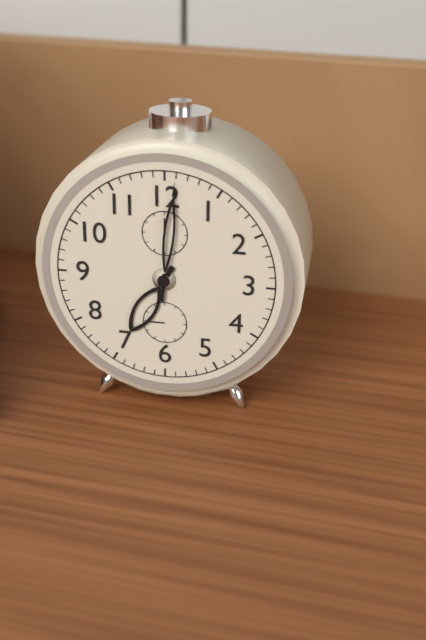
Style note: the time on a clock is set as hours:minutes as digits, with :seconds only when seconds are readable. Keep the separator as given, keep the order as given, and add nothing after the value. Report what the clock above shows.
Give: 7:01
